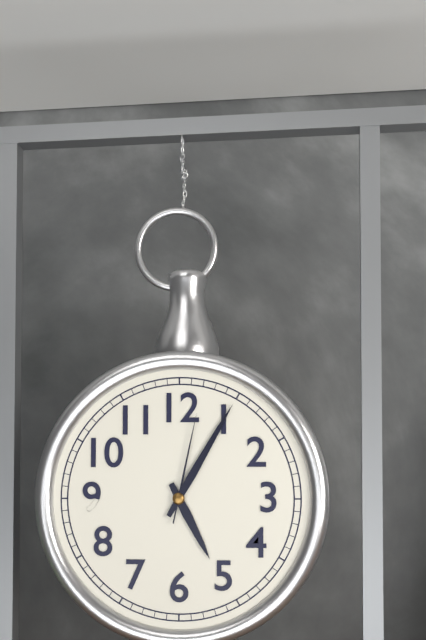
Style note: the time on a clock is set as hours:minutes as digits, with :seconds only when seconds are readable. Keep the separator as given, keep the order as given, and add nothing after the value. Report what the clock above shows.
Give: 5:05:02
